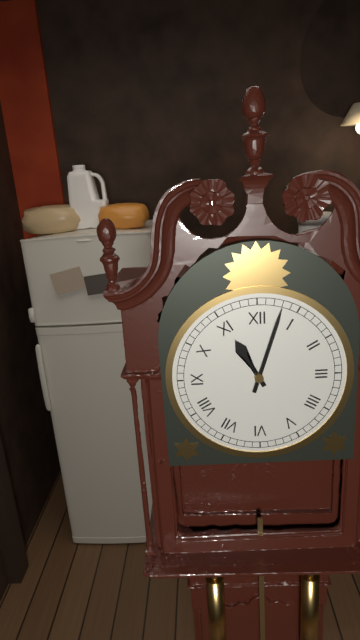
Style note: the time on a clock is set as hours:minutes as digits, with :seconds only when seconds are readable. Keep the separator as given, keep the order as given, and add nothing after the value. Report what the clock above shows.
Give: 11:03
